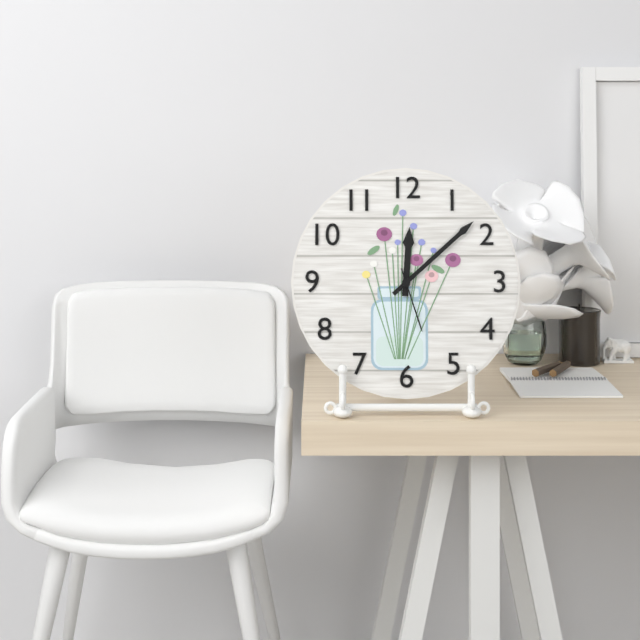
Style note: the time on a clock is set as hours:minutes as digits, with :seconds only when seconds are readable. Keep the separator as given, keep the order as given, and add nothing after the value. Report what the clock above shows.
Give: 12:08:27
